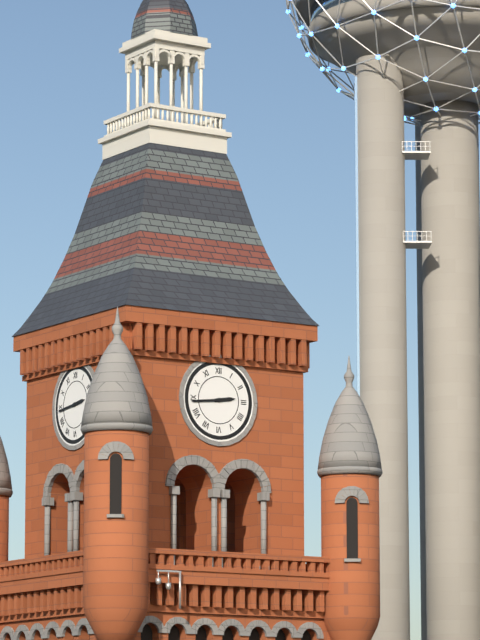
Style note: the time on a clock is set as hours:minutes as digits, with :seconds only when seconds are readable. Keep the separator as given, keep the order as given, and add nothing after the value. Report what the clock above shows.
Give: 2:44
